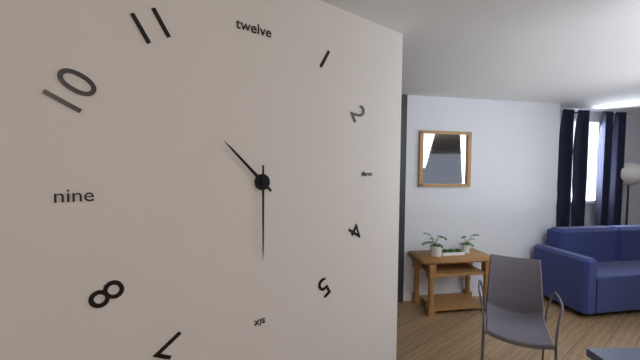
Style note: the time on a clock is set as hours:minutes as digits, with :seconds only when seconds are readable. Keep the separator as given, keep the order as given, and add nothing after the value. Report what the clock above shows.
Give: 10:30
